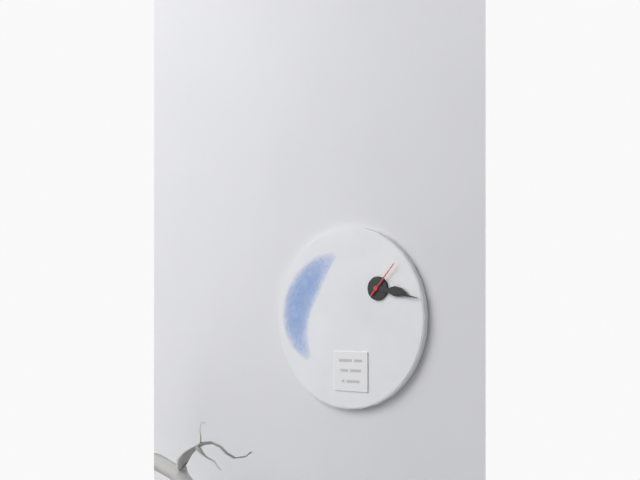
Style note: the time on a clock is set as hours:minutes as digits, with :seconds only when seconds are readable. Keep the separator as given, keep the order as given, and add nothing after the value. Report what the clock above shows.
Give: 3:17
